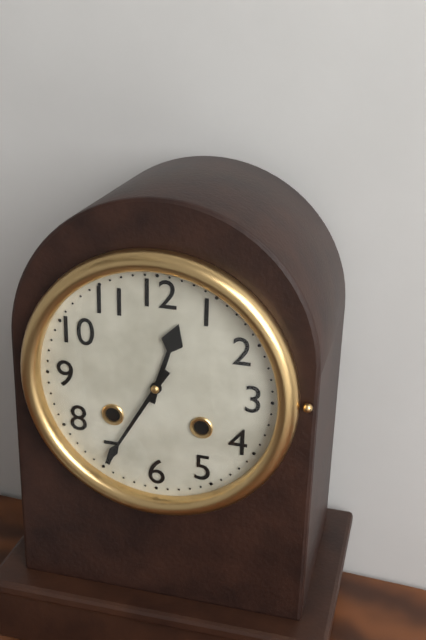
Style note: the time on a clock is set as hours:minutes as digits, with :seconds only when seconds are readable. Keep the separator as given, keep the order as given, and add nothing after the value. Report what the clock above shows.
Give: 12:35
